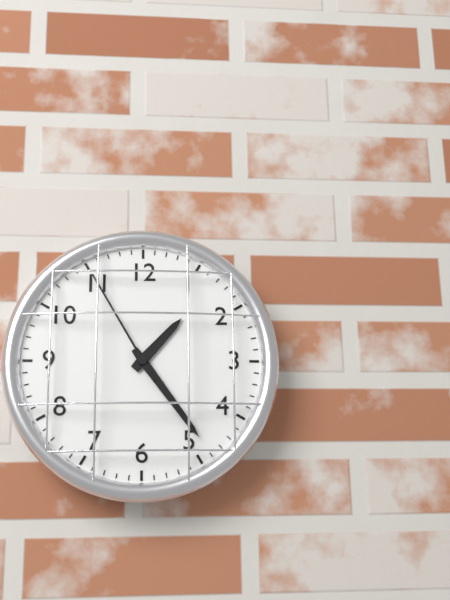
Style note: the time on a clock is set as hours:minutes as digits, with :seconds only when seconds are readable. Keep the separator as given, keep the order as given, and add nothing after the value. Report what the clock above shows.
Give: 1:24:55
